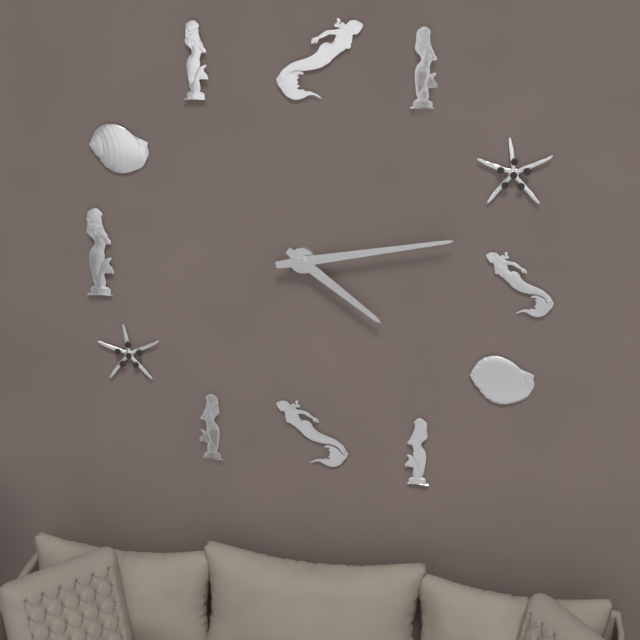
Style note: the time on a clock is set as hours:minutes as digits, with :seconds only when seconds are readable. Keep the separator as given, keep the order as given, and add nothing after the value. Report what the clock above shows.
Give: 4:13
